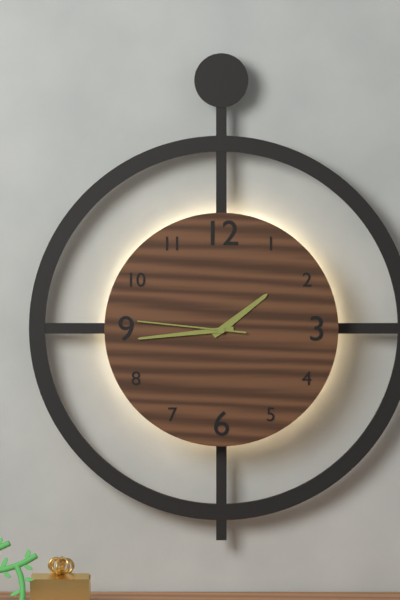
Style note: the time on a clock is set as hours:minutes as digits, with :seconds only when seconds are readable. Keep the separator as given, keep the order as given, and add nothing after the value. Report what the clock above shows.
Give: 1:44:46
